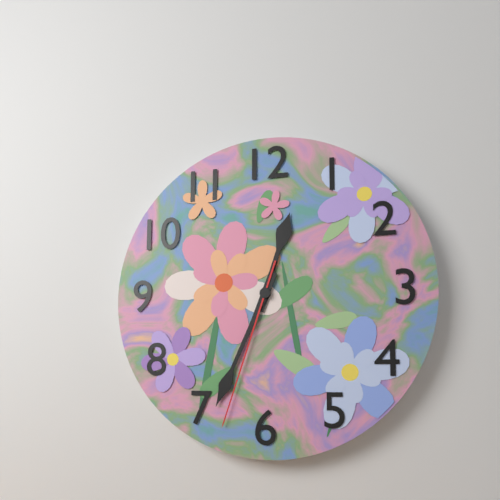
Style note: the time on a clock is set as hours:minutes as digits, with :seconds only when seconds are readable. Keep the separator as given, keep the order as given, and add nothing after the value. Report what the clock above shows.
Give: 12:34:33
